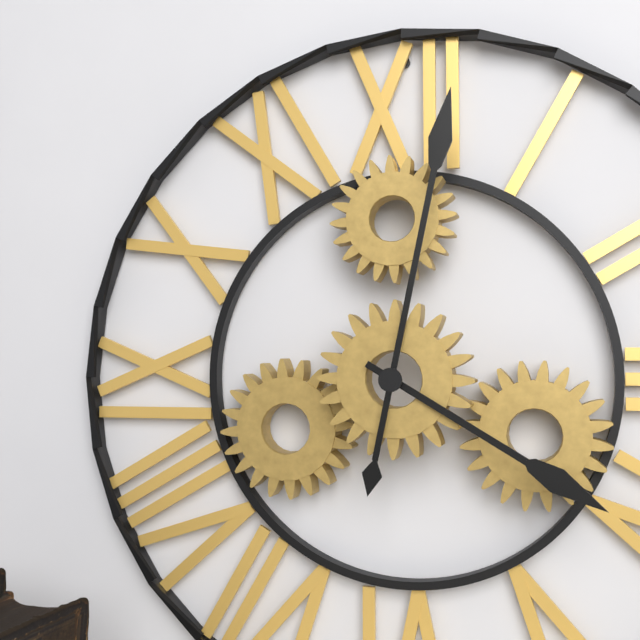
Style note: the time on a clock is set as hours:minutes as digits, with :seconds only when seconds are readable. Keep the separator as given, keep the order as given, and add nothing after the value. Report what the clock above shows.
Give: 4:02
